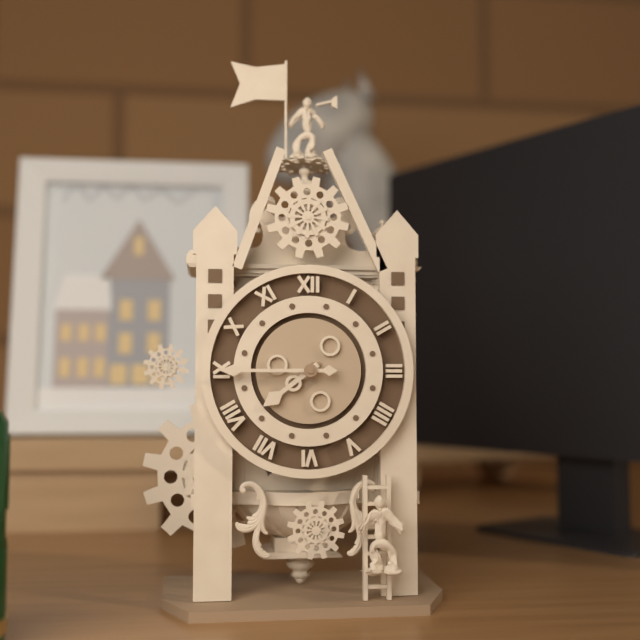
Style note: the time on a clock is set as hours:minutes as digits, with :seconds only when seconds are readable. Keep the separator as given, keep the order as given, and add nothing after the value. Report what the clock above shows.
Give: 7:45
